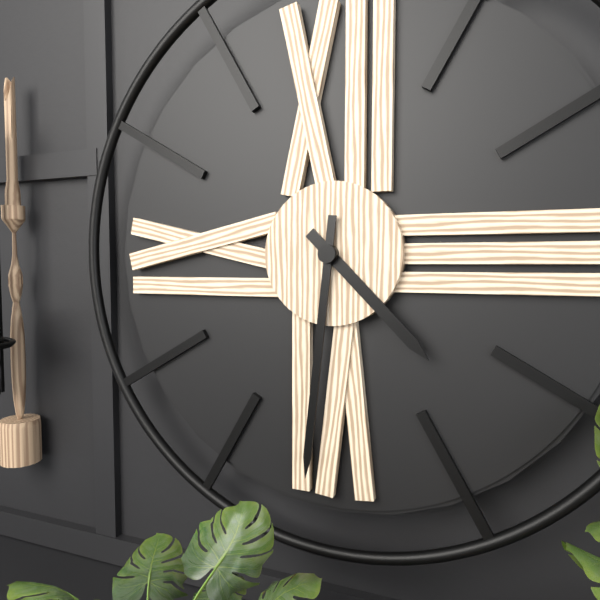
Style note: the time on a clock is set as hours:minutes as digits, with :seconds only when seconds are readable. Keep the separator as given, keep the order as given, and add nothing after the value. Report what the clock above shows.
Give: 4:31
